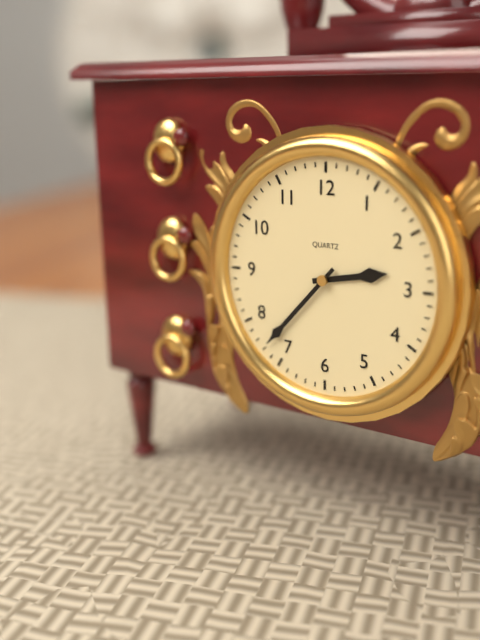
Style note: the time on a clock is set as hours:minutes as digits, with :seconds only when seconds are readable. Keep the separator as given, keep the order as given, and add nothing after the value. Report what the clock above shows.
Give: 2:37
